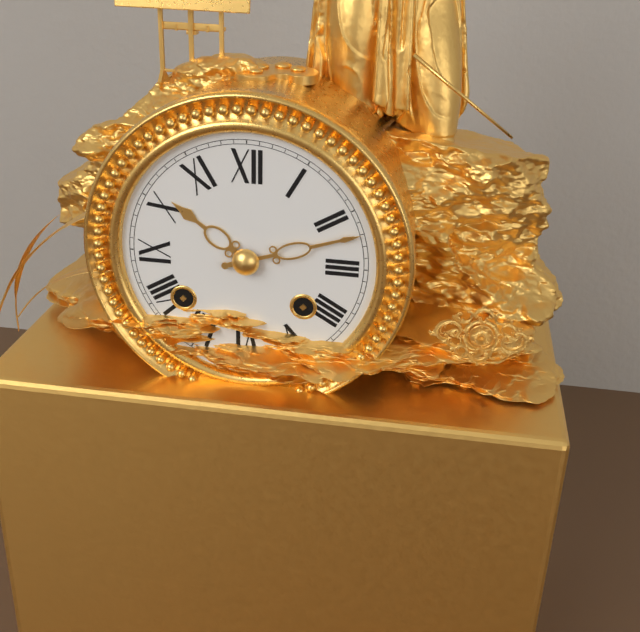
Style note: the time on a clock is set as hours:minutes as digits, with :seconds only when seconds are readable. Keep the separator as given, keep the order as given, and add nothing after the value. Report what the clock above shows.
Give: 10:12
